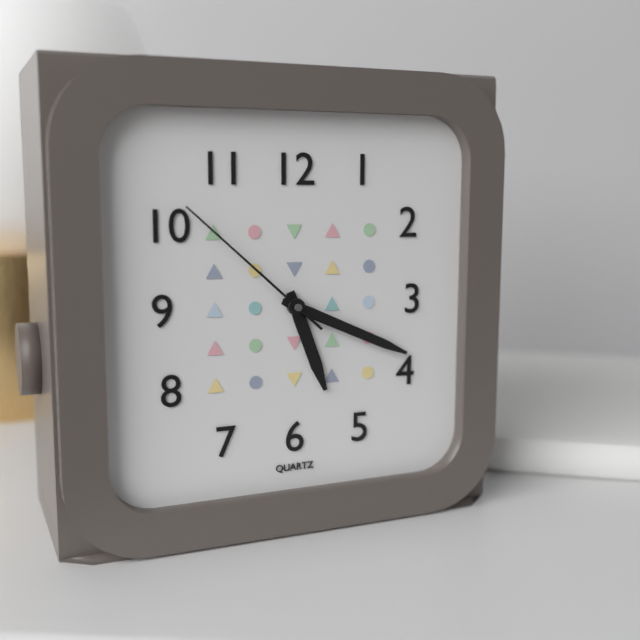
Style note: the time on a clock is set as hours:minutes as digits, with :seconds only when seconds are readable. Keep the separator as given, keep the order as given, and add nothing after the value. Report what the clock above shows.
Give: 5:19:52
